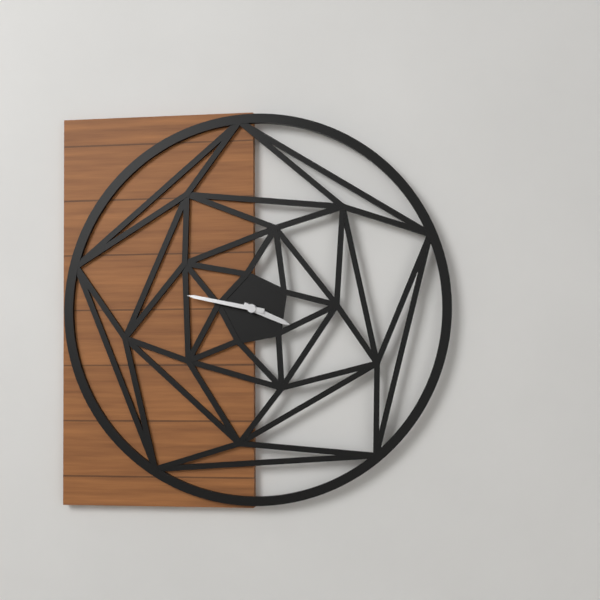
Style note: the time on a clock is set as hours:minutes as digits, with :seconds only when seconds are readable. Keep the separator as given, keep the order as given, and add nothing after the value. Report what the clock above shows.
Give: 3:47
